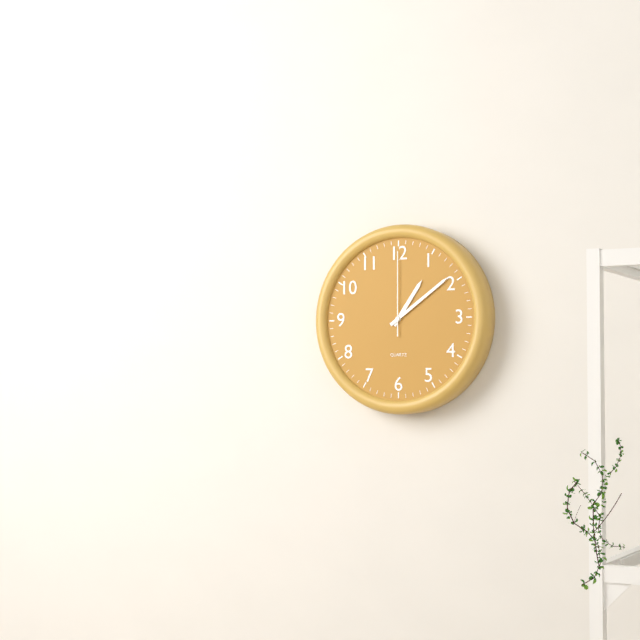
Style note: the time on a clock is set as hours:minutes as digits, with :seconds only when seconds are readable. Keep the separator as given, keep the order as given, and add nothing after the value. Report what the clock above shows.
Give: 1:09:00
